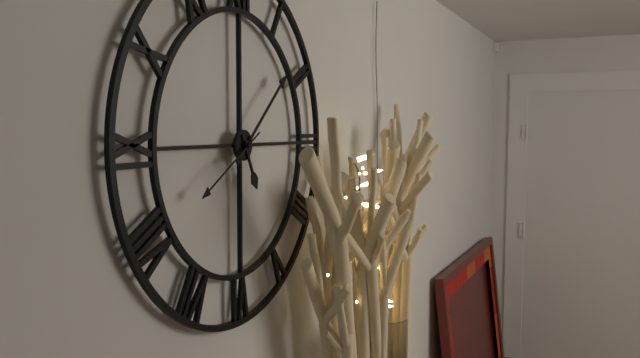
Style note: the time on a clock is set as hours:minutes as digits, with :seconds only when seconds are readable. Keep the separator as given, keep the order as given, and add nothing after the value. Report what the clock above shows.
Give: 5:08:40
